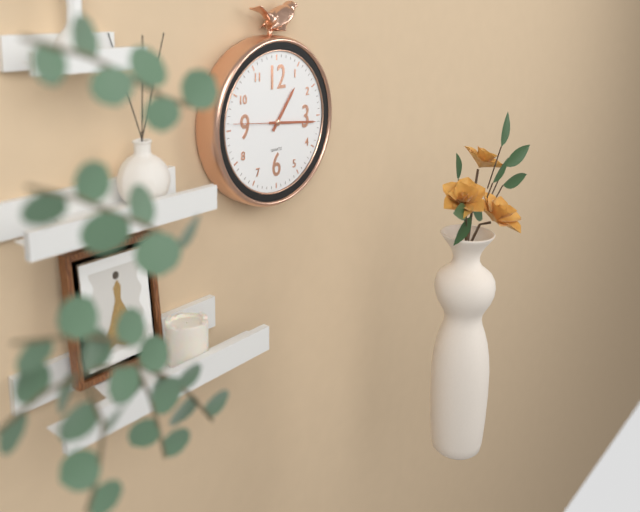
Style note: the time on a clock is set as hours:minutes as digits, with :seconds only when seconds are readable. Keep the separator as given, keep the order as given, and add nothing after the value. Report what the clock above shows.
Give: 1:16
